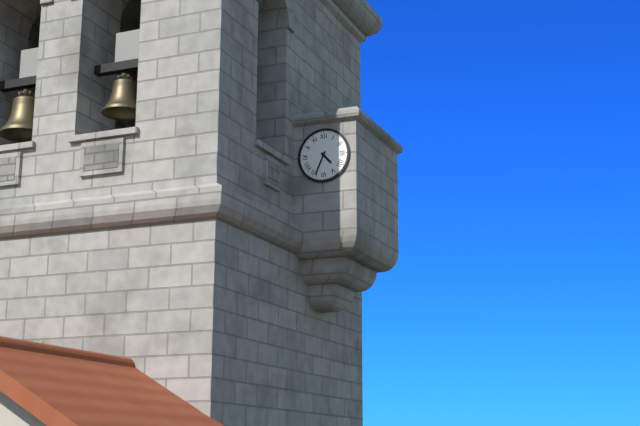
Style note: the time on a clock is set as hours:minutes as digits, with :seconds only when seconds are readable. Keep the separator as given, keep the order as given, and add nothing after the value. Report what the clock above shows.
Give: 4:34
